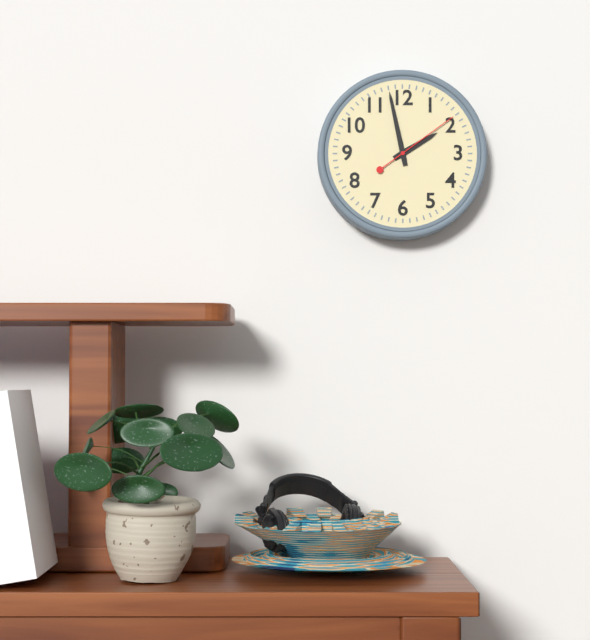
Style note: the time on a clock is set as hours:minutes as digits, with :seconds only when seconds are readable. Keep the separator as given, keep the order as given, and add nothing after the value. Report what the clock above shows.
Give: 1:58:09
